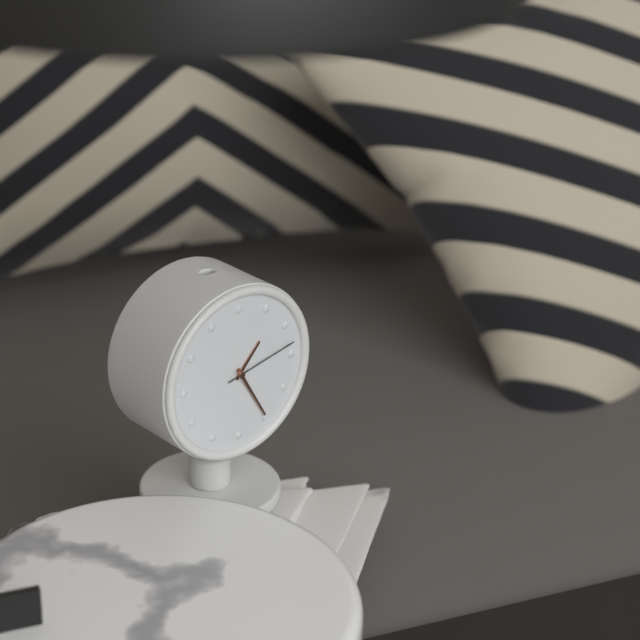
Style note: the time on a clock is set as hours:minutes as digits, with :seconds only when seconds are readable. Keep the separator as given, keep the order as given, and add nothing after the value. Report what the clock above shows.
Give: 1:25:13
